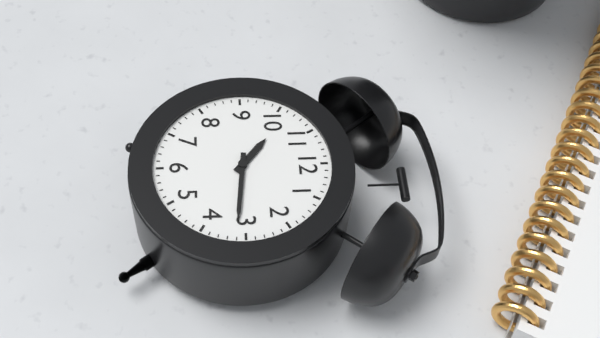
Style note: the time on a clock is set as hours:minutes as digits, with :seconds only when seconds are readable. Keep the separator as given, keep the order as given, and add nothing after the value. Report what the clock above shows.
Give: 10:16
